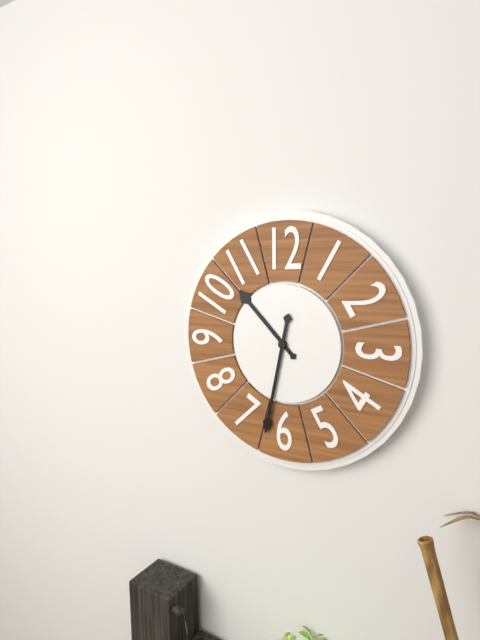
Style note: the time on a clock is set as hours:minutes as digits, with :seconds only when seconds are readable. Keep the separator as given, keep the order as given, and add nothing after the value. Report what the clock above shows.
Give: 10:32
